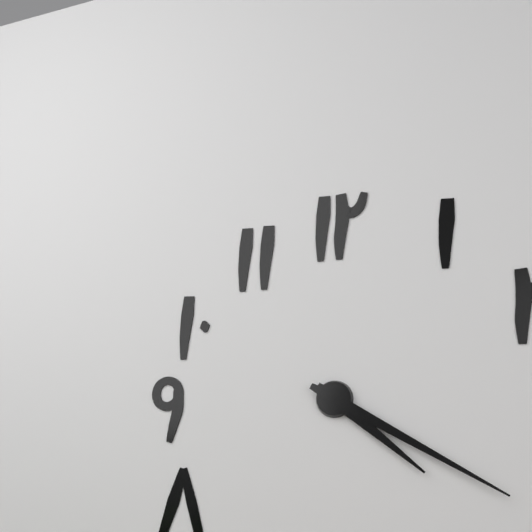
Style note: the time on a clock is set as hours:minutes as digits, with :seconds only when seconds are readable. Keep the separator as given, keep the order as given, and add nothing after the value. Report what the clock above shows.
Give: 4:20
